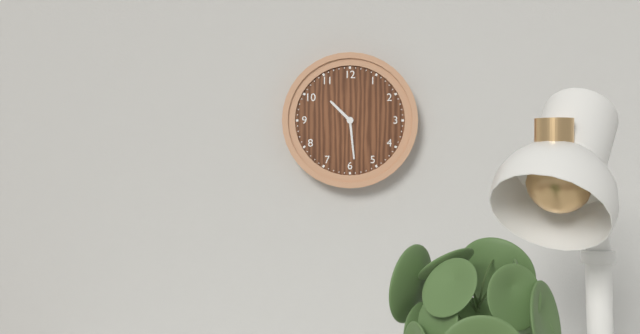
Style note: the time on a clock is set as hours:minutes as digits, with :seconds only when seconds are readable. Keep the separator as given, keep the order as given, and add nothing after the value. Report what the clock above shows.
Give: 10:29
